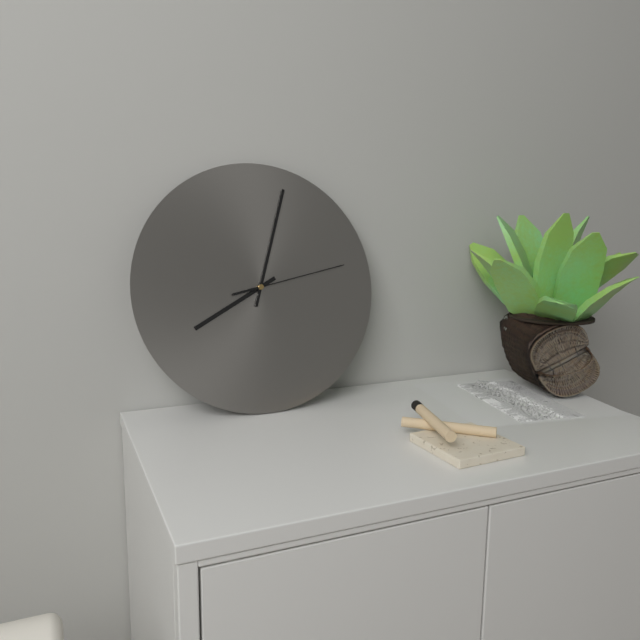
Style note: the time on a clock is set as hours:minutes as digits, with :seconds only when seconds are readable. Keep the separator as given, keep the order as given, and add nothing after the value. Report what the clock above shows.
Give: 8:03:13
